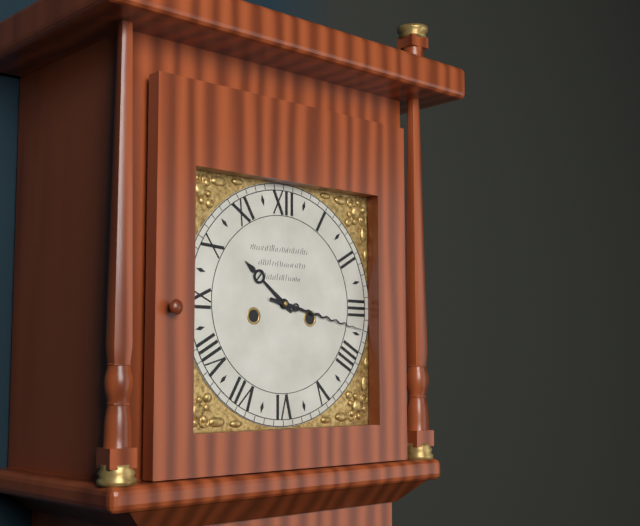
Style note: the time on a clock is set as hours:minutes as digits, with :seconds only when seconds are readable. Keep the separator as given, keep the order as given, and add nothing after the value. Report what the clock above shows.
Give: 10:17
